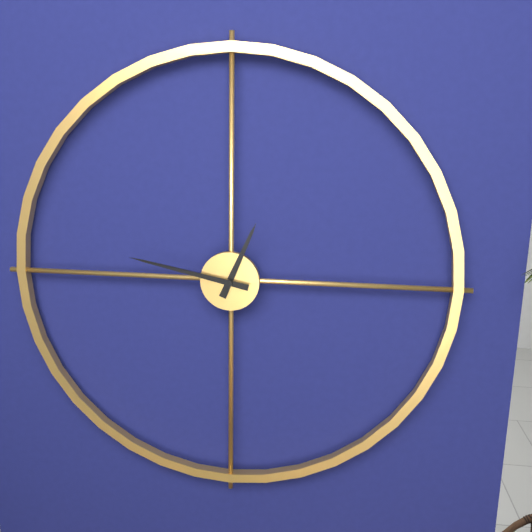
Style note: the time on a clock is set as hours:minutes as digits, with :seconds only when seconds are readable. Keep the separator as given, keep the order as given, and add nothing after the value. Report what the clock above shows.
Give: 12:47
